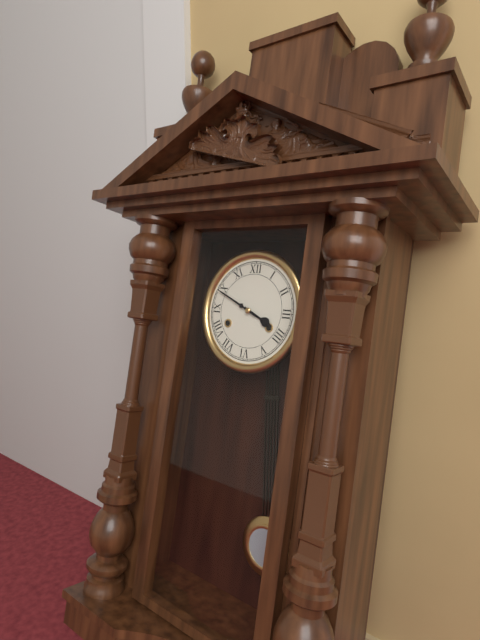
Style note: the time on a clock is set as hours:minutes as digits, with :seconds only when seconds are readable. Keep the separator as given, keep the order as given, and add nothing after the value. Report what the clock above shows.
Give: 3:49
